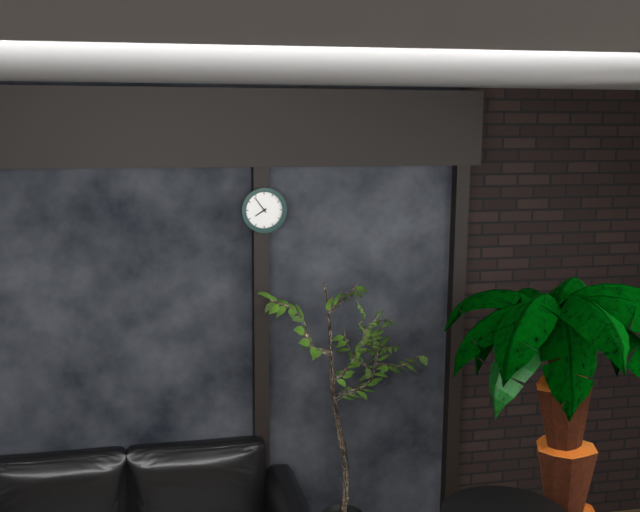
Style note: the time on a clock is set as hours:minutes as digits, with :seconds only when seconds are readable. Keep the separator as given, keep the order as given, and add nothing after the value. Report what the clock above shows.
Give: 7:54
